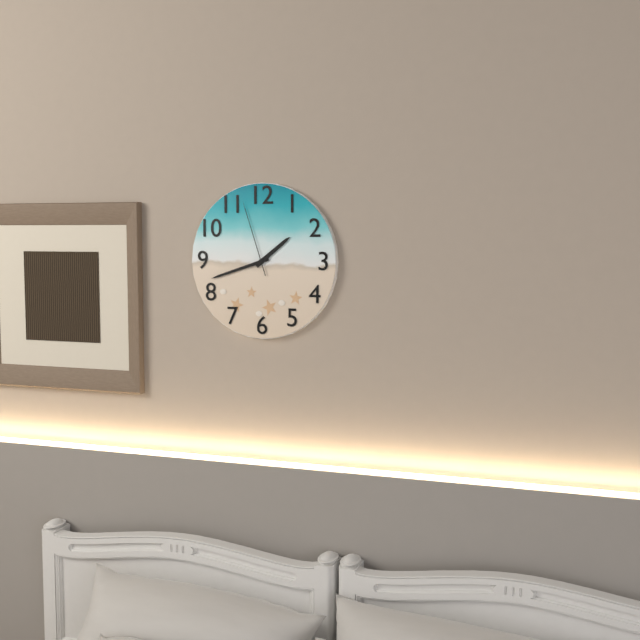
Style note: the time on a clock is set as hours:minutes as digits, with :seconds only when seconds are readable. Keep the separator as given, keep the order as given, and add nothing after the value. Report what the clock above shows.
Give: 1:42:57
